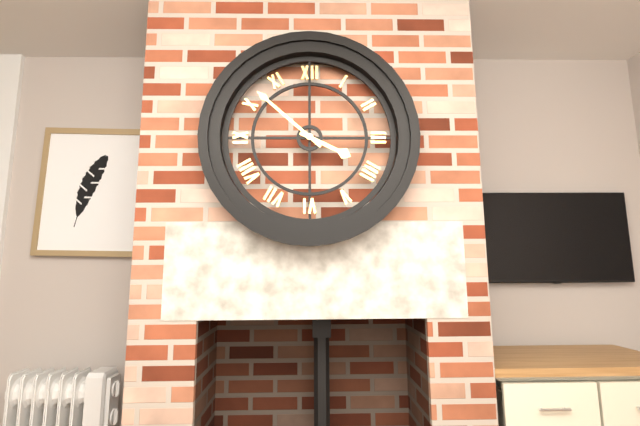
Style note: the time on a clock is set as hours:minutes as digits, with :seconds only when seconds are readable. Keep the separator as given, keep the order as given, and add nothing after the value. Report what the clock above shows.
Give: 3:52
